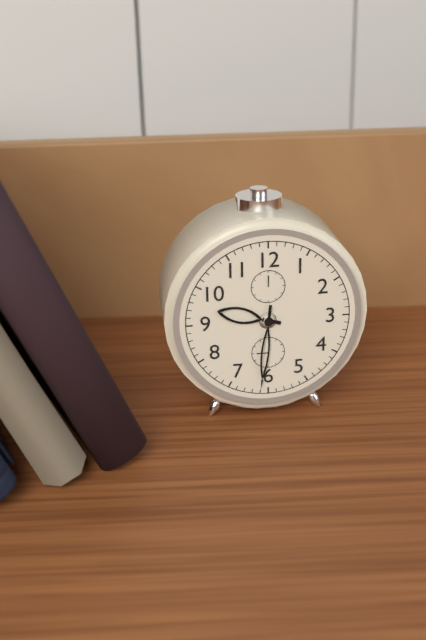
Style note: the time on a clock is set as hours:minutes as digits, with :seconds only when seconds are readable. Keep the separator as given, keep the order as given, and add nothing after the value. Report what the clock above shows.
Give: 9:31
